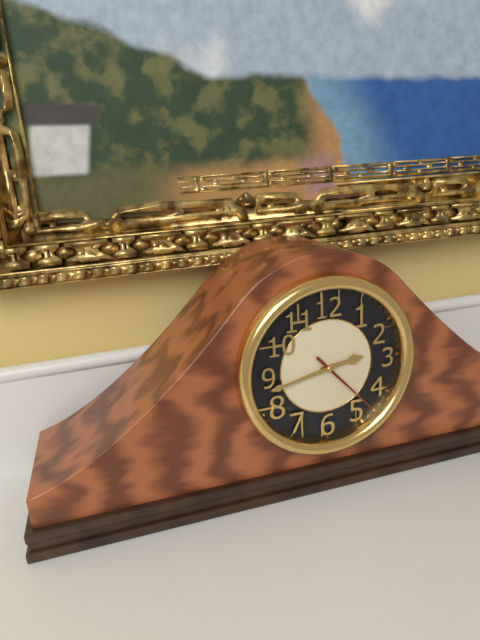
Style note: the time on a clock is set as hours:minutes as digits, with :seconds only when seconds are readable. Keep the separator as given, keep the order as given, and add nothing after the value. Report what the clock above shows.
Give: 2:43:23
